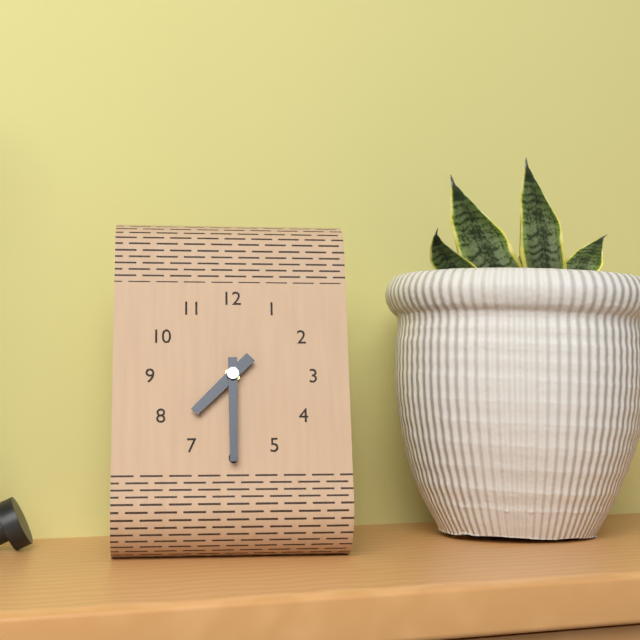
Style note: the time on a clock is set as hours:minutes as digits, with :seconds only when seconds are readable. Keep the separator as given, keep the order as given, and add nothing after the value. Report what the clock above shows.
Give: 7:30
